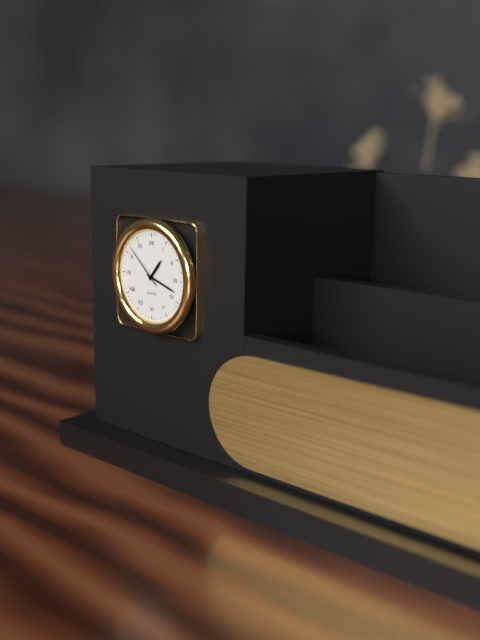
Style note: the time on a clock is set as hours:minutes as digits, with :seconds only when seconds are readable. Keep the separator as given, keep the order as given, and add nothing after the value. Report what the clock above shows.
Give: 1:18
